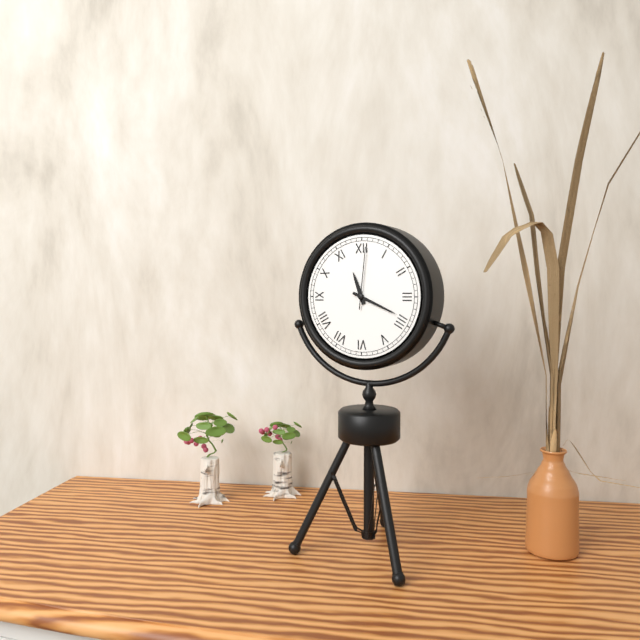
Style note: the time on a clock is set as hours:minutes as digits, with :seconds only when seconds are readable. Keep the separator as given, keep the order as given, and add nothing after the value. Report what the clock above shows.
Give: 11:19:01
